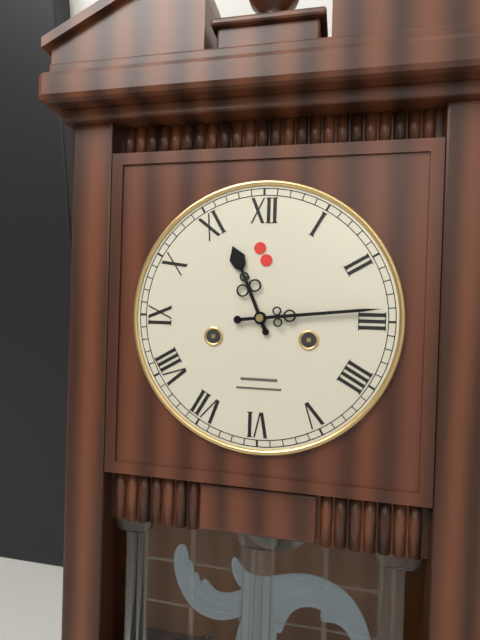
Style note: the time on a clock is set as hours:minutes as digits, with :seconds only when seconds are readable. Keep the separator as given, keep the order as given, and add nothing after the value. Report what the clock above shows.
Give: 11:14
